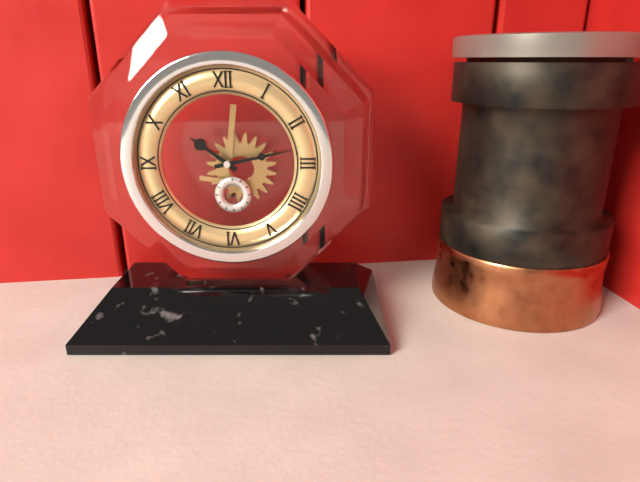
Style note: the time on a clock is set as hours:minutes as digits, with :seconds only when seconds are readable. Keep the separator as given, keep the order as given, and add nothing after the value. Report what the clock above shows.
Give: 10:13
